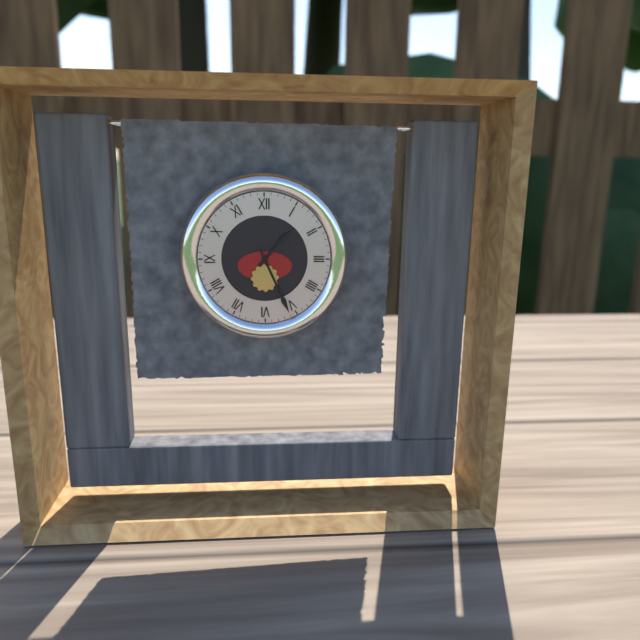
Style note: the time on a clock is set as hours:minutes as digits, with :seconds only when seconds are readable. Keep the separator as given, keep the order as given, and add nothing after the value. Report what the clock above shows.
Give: 1:26
